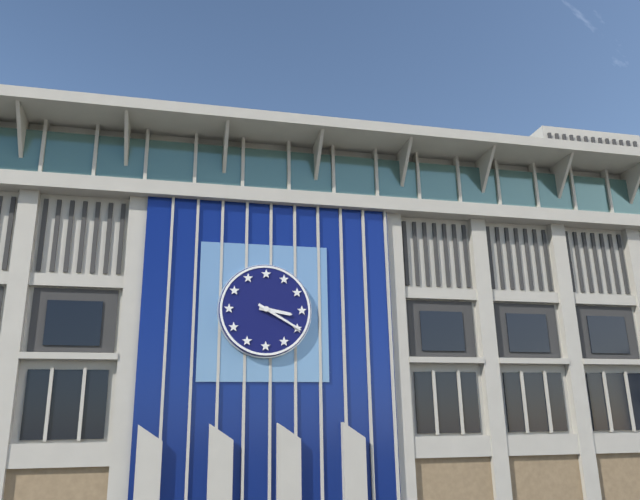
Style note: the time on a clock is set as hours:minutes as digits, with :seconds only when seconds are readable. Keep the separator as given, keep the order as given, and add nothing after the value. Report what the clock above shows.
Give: 3:20
